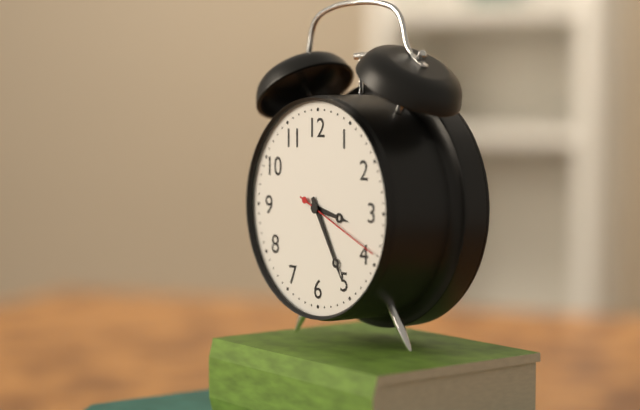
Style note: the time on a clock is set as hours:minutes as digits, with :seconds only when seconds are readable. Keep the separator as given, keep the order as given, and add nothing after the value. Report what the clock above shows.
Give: 3:25:19
